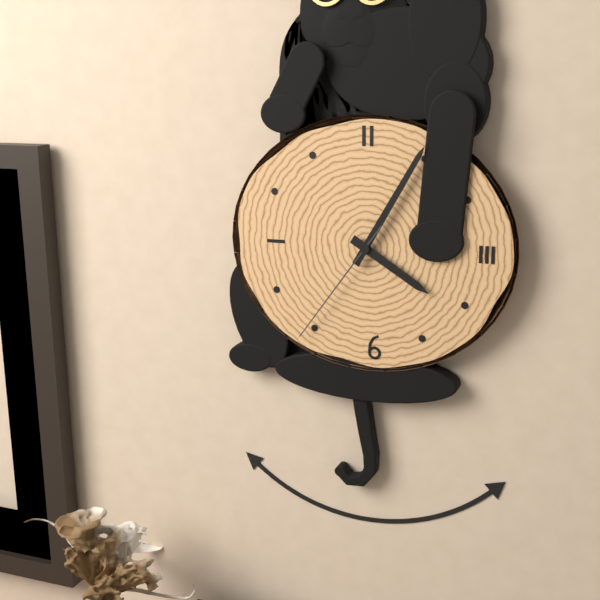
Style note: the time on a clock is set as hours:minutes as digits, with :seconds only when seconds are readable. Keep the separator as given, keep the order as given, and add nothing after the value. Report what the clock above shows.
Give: 4:05:36
